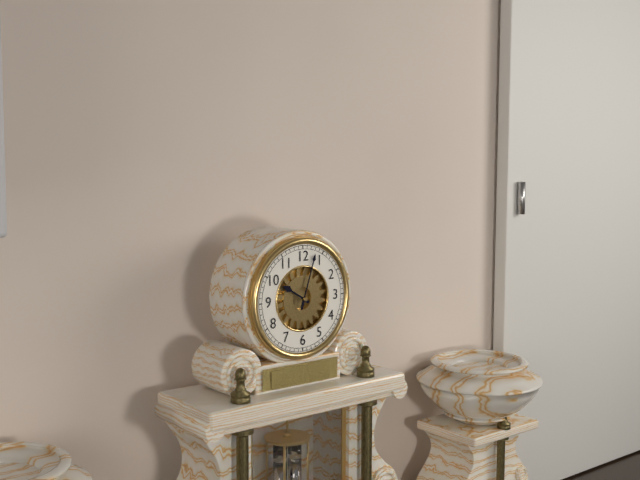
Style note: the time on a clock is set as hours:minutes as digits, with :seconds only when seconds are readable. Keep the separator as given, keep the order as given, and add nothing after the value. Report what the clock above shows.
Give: 10:03
